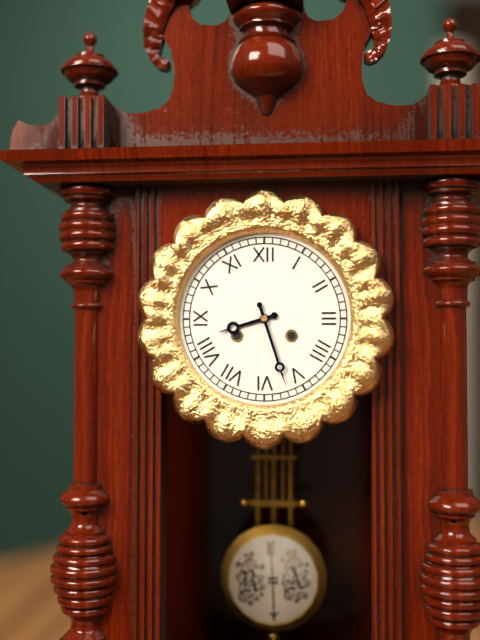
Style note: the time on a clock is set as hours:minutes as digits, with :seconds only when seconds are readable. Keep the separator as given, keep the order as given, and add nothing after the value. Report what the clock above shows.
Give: 8:27
